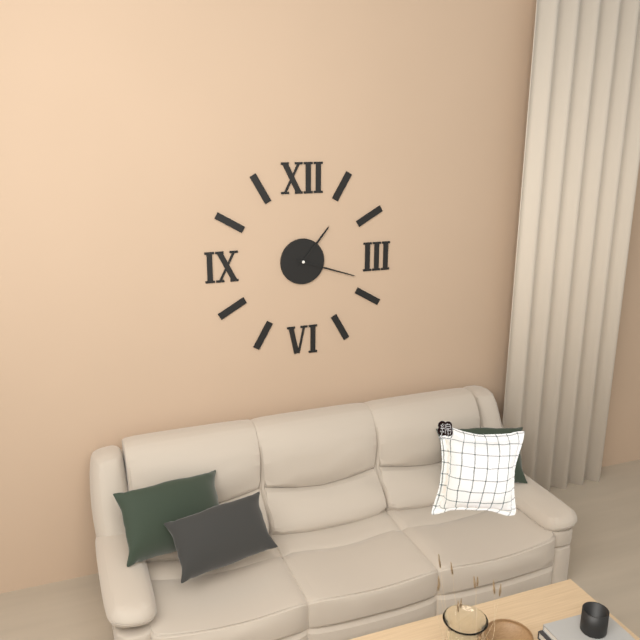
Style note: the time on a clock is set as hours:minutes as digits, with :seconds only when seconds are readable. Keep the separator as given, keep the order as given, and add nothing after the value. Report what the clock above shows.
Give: 1:18
